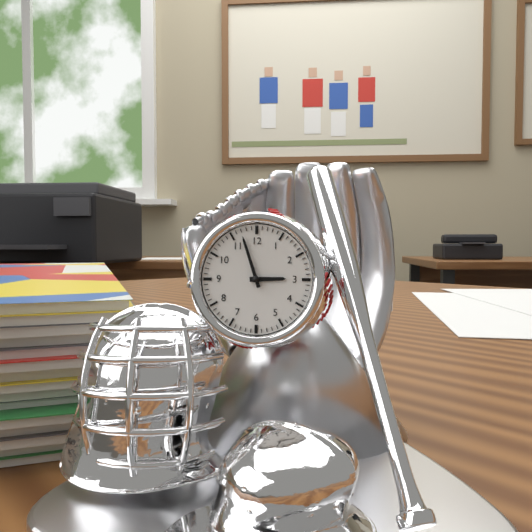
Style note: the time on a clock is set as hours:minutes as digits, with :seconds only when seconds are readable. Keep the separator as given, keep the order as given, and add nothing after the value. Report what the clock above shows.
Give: 2:57
